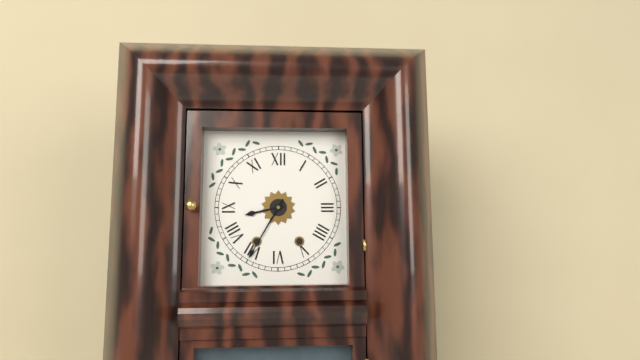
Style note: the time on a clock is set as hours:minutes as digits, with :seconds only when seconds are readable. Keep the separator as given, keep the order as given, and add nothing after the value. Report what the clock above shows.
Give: 8:35
